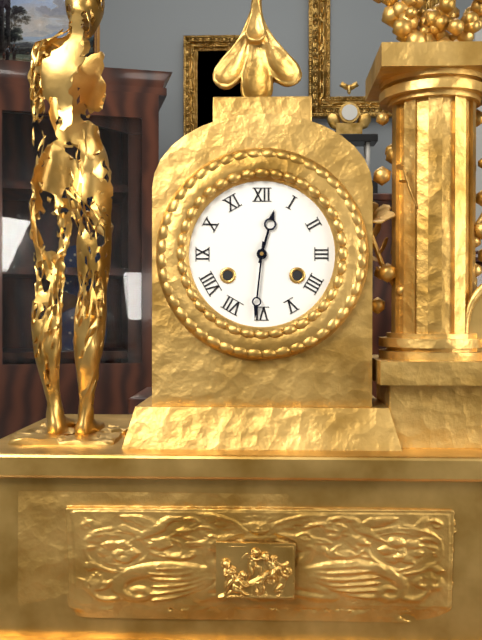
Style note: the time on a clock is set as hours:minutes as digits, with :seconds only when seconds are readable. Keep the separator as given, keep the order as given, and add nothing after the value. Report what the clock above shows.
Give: 12:31
